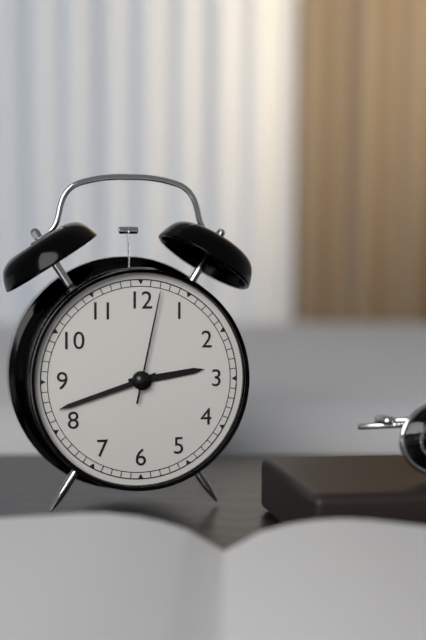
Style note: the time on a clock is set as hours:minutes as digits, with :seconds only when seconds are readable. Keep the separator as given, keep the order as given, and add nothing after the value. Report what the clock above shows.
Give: 2:42:02
